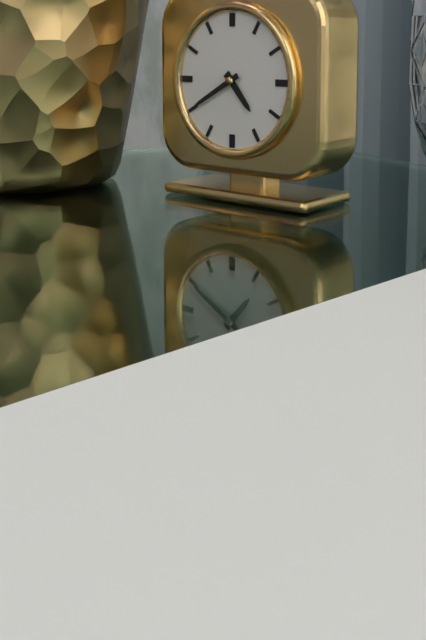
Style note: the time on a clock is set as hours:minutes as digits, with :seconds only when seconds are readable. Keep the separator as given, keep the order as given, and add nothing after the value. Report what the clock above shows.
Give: 4:40
